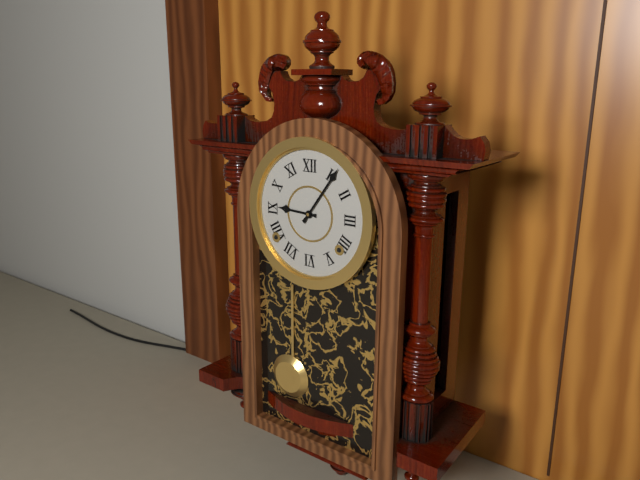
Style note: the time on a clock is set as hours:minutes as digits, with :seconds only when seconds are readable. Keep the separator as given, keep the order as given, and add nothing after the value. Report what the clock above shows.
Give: 9:06
